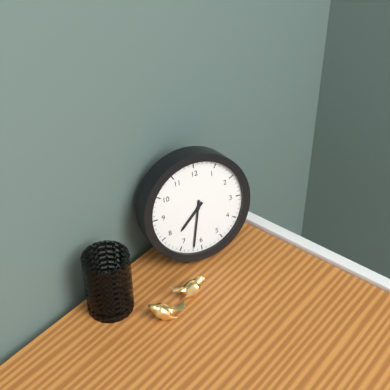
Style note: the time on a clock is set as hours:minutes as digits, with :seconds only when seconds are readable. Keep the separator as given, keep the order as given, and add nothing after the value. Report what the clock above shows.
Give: 7:32
